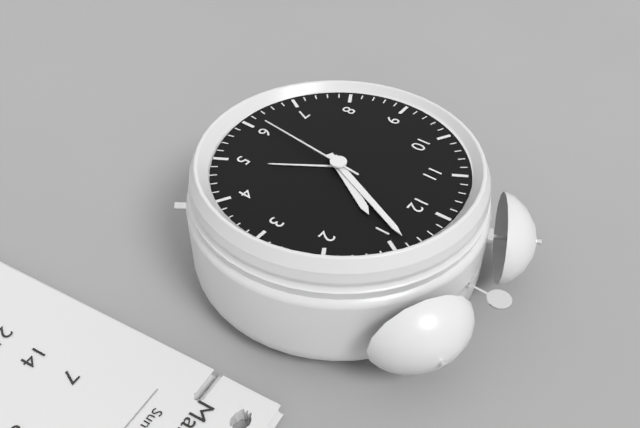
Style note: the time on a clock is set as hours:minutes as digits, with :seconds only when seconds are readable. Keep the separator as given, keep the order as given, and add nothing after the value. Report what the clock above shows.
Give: 1:04:31
